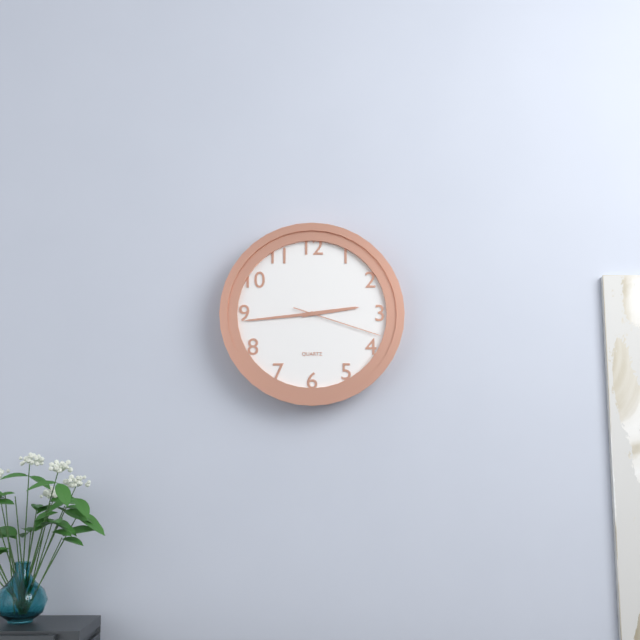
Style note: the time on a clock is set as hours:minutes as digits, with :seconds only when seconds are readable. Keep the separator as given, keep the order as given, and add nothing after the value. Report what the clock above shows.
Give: 2:44:18
